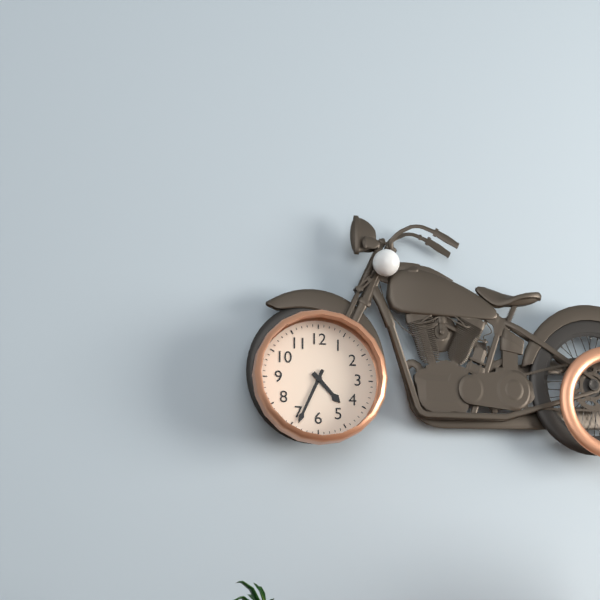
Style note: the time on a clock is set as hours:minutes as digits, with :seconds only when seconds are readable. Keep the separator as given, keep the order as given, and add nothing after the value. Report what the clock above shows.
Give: 4:34
